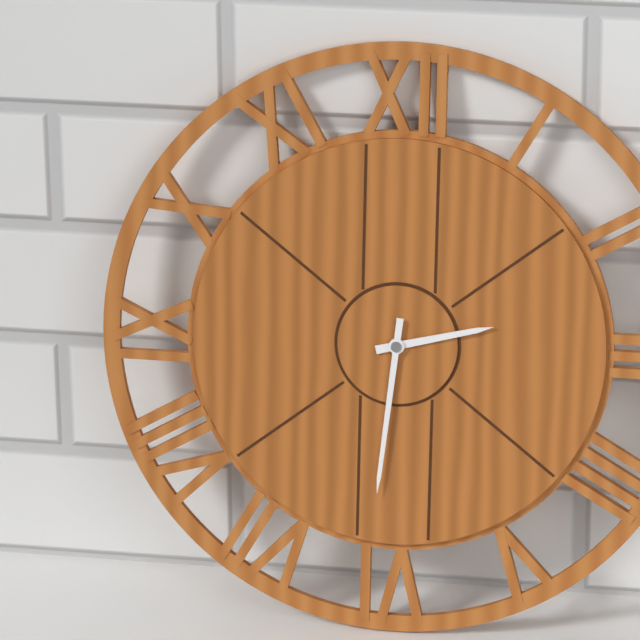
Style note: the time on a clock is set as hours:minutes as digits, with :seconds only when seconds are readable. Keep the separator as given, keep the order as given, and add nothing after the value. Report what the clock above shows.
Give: 2:31
